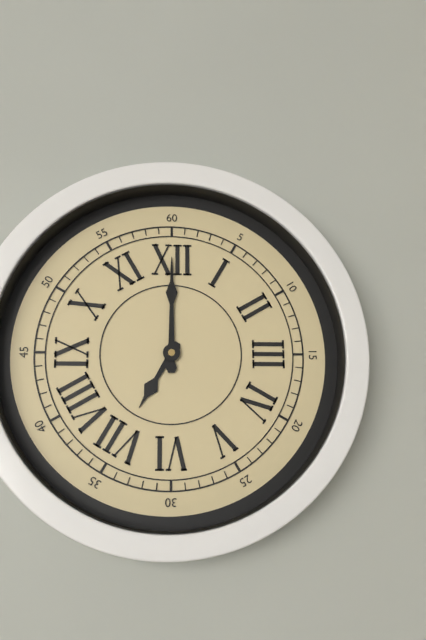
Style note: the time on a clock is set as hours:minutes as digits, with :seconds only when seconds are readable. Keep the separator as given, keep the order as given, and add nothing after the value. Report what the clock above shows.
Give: 7:00
